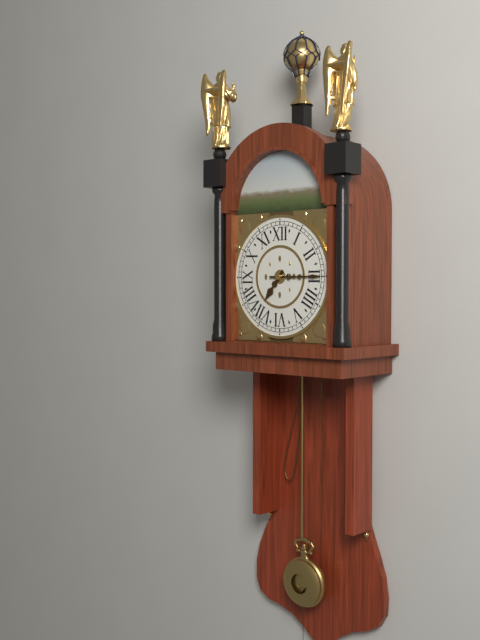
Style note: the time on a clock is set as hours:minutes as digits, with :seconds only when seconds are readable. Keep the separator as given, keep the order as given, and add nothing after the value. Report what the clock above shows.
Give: 7:15
